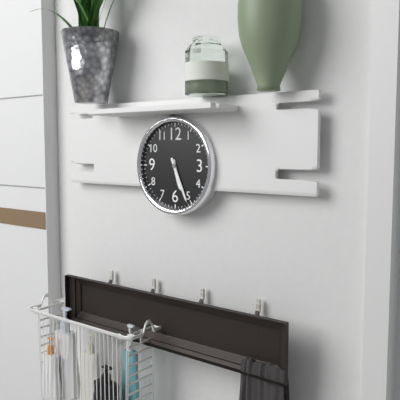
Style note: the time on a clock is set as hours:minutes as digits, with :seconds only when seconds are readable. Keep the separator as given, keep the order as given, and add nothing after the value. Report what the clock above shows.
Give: 5:26
